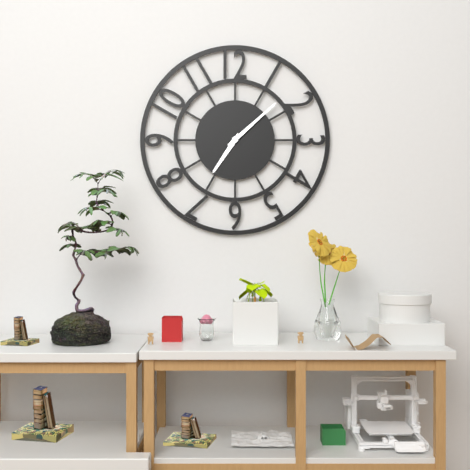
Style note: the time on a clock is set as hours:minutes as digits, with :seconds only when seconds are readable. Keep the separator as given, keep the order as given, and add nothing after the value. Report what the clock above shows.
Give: 7:08
